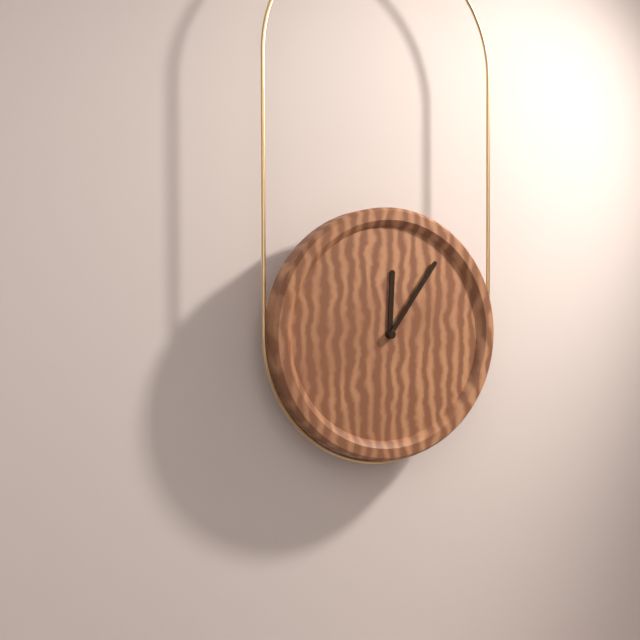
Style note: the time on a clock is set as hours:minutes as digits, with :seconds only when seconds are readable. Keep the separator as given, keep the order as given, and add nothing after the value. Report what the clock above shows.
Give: 12:06
